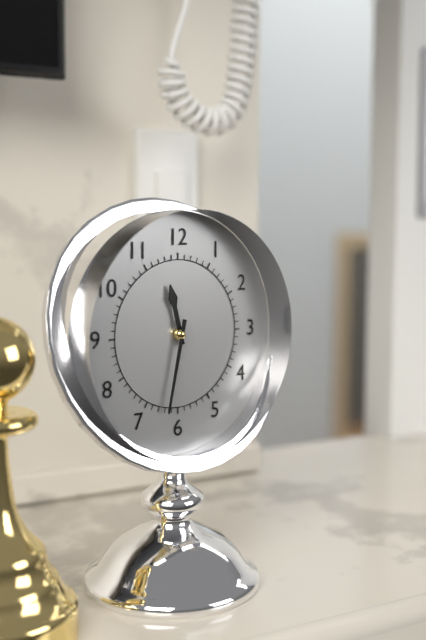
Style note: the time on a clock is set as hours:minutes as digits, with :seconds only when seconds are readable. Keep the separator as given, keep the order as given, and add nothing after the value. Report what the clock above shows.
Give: 11:32
